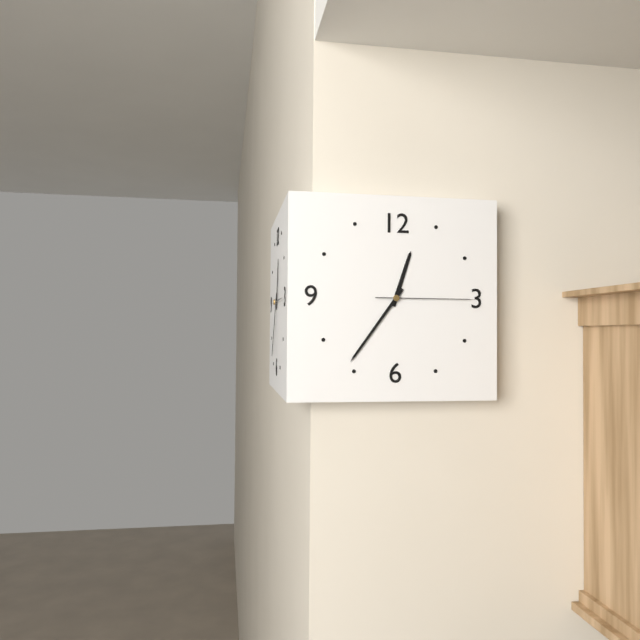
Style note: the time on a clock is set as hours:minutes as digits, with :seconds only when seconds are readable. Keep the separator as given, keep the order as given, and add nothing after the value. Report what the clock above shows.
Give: 12:36:15
